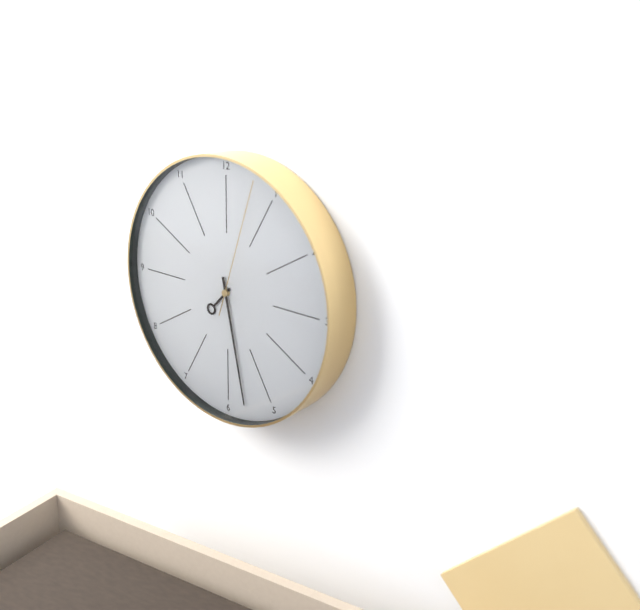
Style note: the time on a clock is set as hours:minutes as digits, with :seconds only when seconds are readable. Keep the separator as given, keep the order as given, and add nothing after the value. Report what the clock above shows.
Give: 7:28:03
